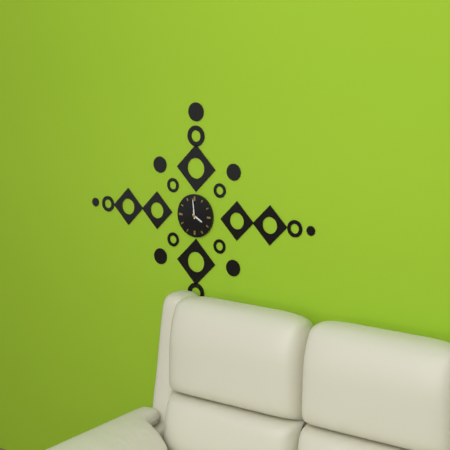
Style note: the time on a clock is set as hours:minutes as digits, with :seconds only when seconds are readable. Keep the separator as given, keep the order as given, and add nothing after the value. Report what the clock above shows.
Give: 3:59
